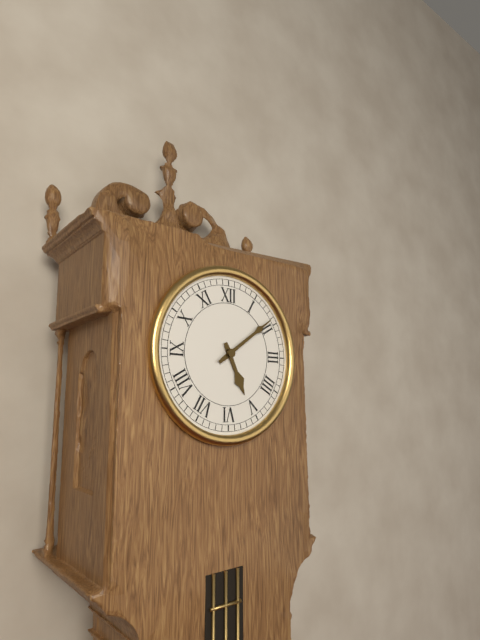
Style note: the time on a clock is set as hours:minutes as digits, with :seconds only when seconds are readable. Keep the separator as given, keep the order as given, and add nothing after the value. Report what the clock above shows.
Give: 5:09
